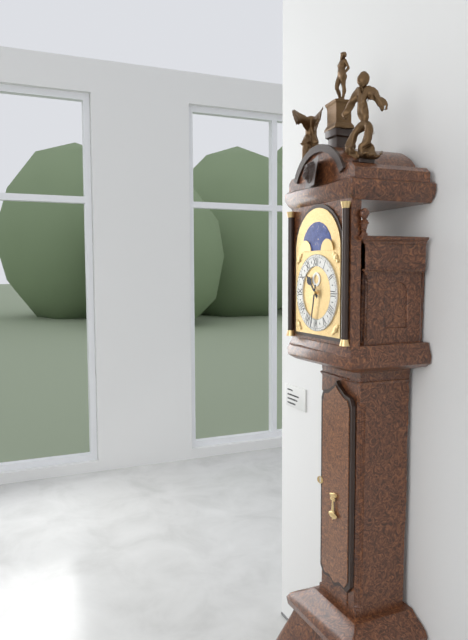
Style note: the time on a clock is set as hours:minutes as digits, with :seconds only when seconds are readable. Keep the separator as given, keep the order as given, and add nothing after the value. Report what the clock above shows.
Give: 10:32
